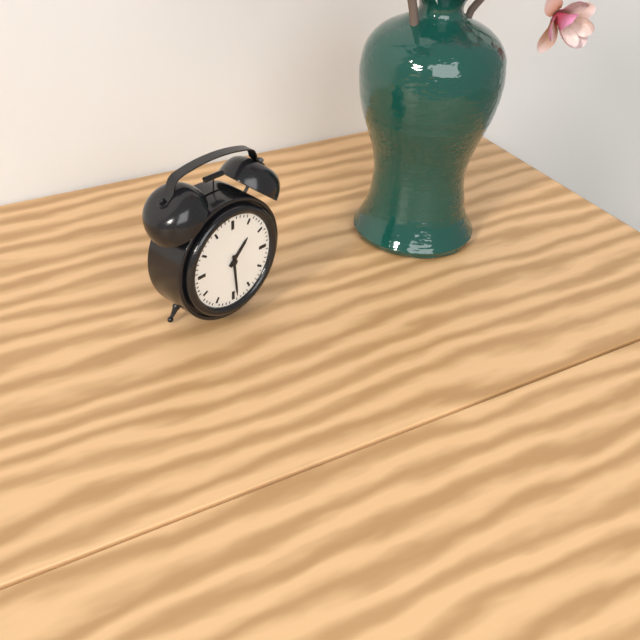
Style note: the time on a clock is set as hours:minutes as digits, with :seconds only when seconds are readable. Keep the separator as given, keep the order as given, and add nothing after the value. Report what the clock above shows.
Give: 1:29
